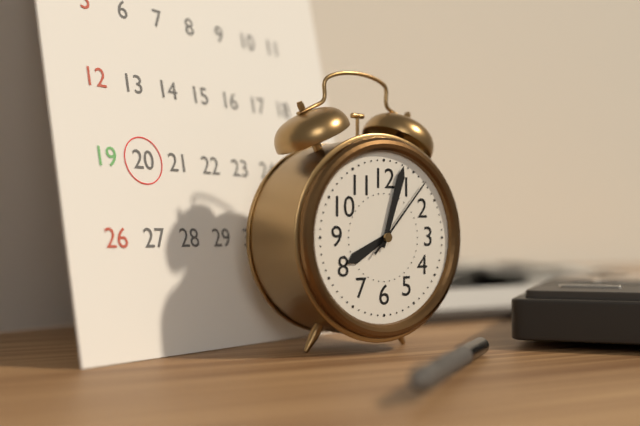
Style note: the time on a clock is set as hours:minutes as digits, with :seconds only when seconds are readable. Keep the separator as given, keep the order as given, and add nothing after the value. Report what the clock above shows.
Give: 8:03:07
